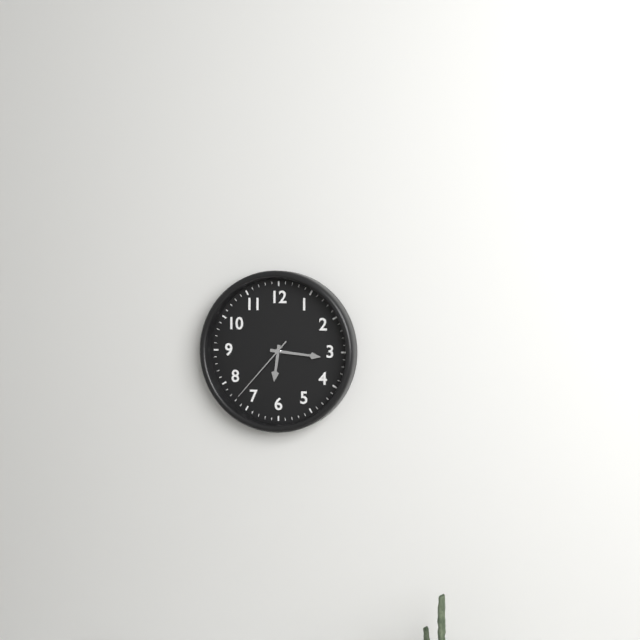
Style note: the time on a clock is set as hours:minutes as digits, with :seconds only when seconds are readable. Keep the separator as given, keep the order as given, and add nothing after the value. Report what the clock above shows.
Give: 6:16:37
